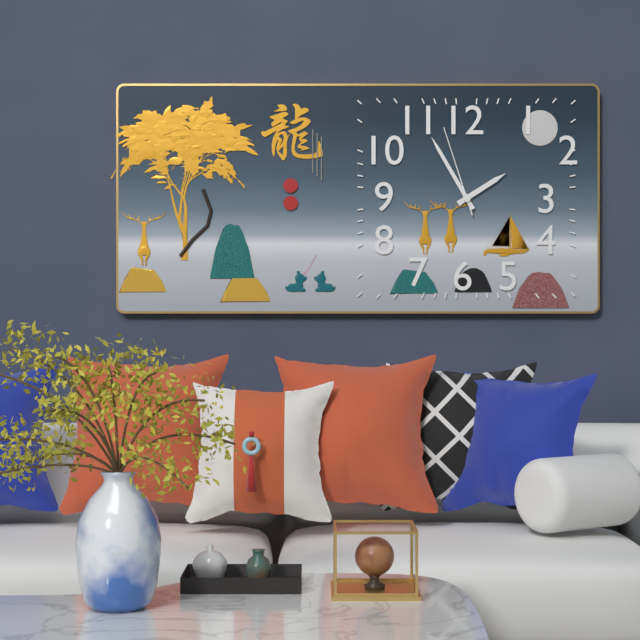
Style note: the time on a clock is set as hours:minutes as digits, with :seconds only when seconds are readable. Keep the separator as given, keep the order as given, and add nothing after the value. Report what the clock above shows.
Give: 1:55:57
